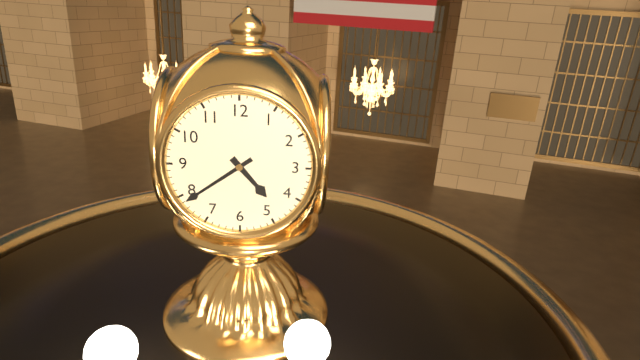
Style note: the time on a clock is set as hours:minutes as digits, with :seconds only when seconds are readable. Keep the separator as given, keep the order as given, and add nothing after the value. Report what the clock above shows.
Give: 4:39
